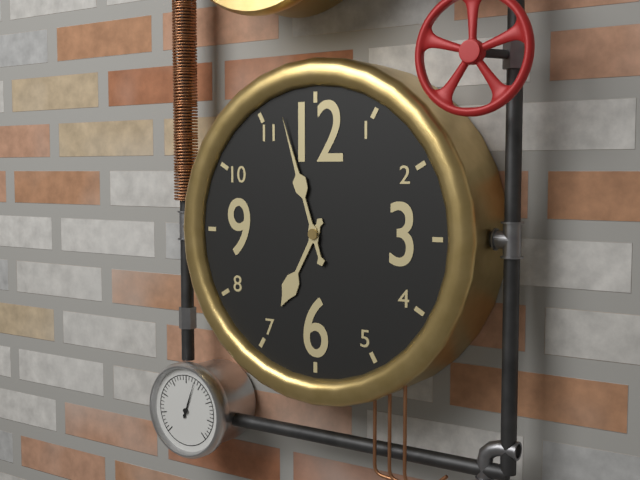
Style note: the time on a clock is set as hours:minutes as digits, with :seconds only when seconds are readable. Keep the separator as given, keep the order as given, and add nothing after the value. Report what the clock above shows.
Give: 6:57
